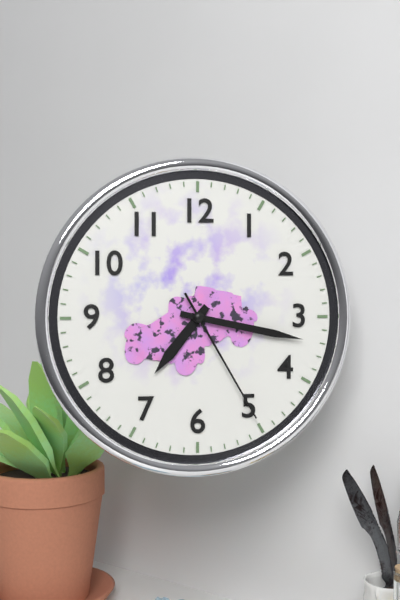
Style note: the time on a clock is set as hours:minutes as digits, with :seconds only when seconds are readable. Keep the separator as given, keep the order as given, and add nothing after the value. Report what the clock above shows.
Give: 7:17:25
